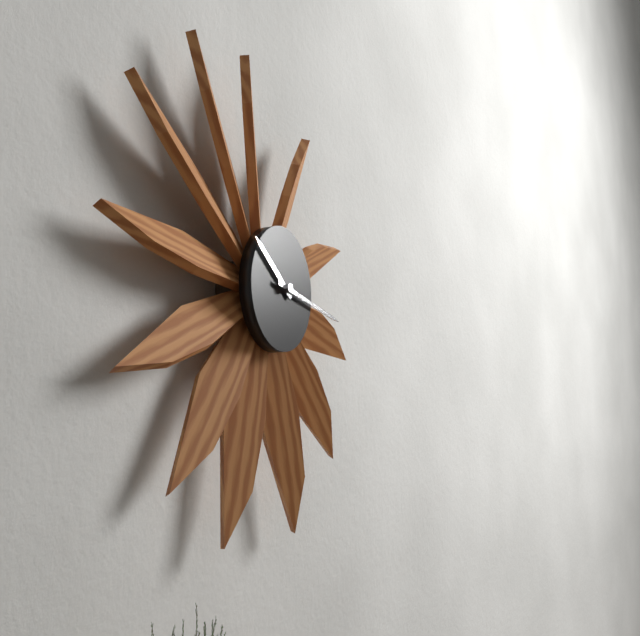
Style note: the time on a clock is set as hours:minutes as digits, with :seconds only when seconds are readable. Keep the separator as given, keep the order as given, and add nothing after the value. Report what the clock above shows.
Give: 10:17
